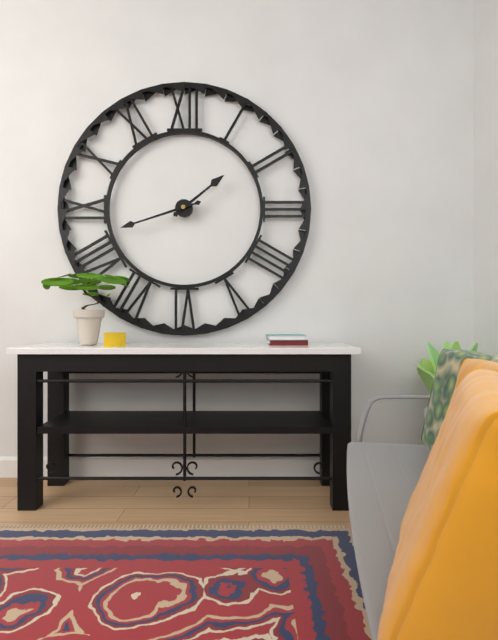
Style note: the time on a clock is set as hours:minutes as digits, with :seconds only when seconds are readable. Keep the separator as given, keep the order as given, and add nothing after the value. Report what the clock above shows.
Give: 1:42
